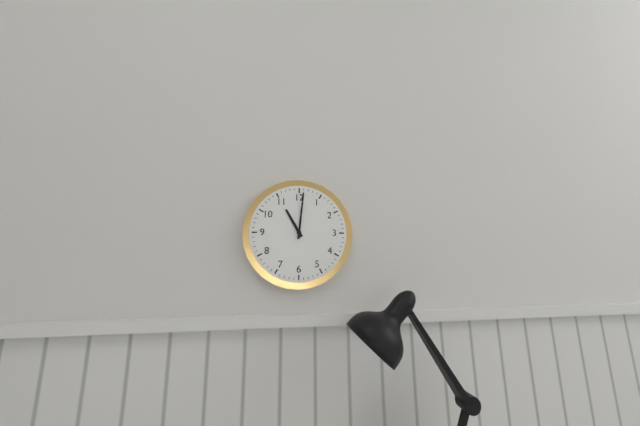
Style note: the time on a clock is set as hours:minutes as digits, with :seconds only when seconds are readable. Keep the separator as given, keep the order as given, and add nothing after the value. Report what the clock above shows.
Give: 11:01
